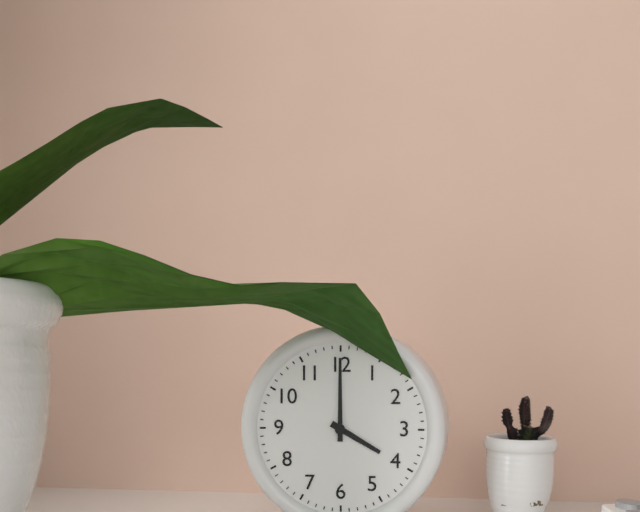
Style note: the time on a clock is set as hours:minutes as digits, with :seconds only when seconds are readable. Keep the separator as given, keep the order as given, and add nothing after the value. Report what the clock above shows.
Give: 4:00
